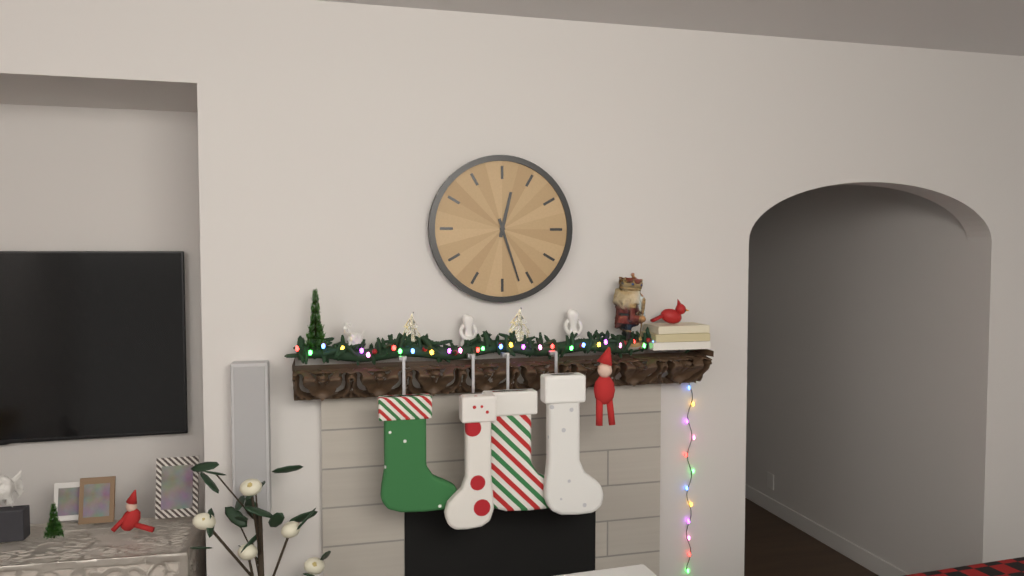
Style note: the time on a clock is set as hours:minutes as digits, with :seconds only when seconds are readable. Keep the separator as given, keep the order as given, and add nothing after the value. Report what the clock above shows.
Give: 12:27
